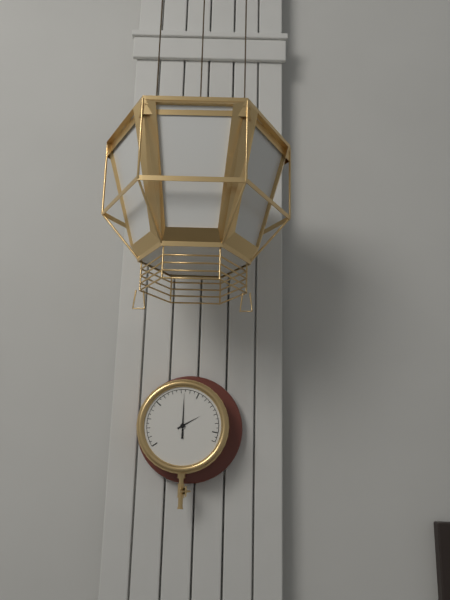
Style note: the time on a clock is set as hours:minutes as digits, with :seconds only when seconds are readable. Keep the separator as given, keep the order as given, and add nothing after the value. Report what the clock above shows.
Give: 2:00
